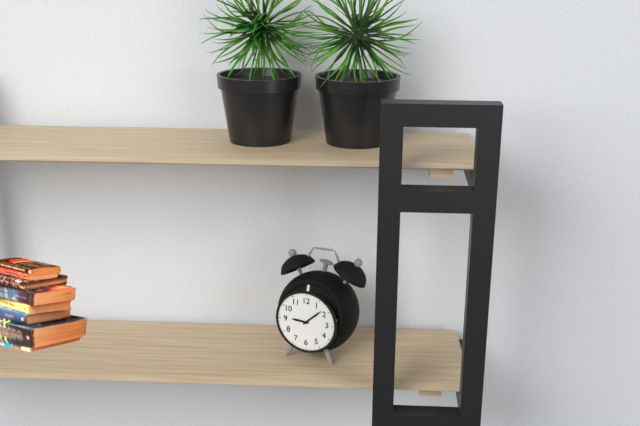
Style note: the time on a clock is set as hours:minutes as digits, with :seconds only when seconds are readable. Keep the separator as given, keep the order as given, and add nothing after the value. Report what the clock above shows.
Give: 9:08
